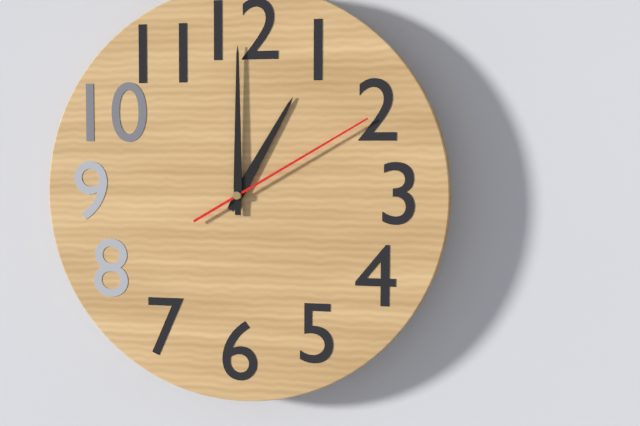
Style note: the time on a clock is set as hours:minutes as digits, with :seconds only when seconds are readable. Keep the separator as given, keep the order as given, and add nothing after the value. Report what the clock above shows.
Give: 1:00:10
